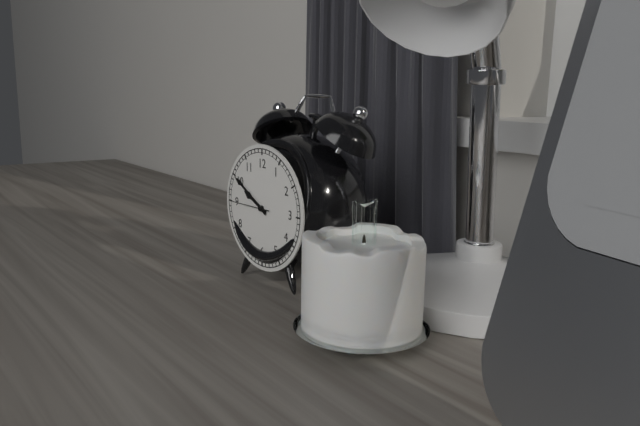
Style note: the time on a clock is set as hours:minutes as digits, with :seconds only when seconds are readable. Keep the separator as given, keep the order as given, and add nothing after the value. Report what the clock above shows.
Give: 9:50
